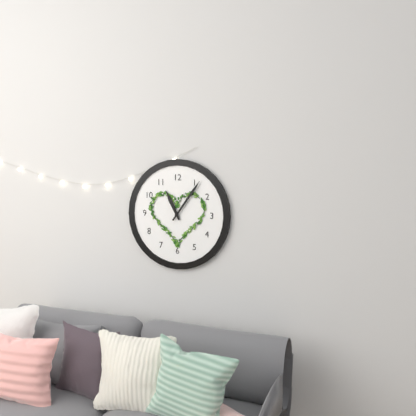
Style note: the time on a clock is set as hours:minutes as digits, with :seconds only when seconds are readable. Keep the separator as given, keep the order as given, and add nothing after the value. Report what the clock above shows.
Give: 11:06
